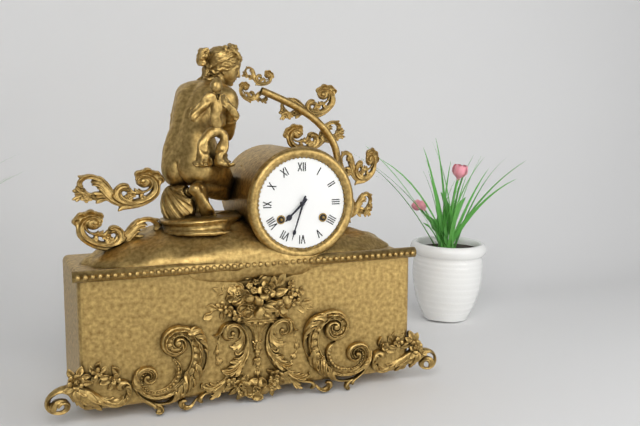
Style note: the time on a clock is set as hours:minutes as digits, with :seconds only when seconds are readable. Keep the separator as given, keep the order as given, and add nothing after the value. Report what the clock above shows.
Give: 7:33
